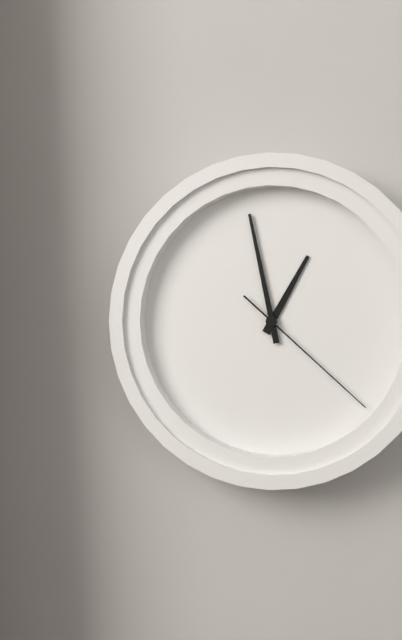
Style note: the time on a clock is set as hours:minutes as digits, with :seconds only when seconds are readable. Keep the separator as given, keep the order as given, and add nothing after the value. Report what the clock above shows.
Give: 12:58:22
